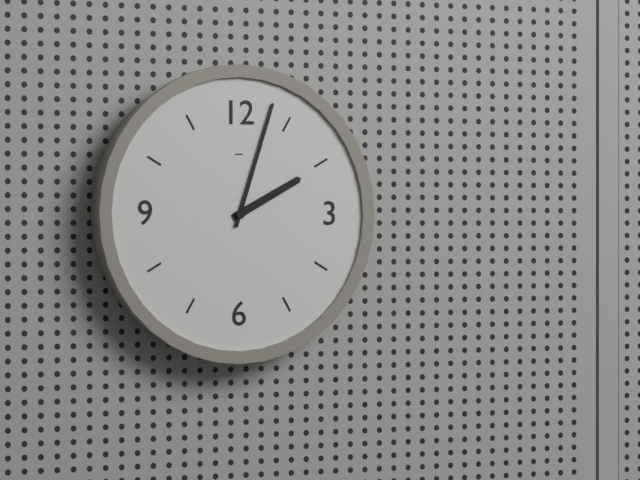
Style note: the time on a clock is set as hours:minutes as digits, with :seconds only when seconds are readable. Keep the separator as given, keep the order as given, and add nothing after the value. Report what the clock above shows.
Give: 2:03
